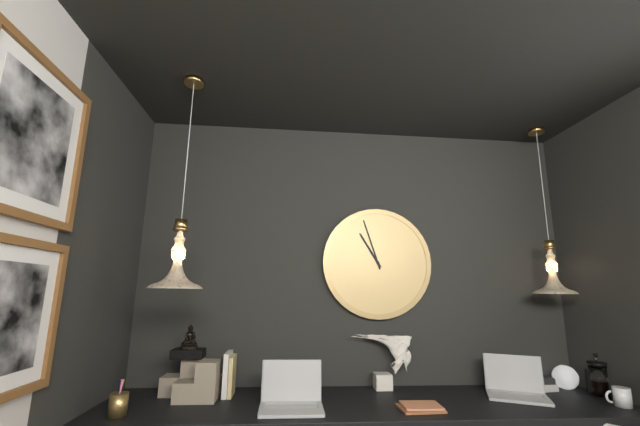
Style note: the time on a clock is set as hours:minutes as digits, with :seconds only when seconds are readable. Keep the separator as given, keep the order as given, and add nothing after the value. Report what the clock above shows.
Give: 10:57
